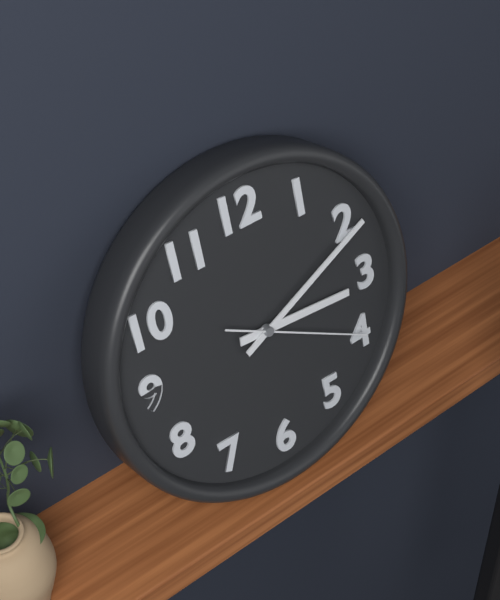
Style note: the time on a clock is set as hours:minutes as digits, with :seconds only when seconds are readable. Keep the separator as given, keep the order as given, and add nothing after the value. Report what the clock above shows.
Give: 3:11:20
